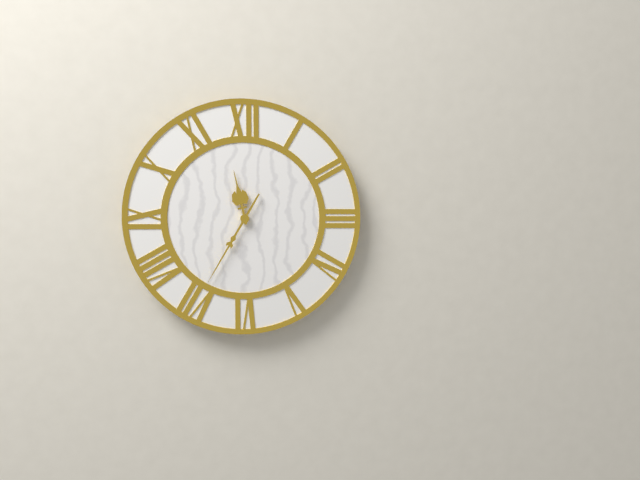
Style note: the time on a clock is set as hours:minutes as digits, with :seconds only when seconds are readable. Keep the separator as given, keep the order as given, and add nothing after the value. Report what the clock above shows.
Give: 11:35
